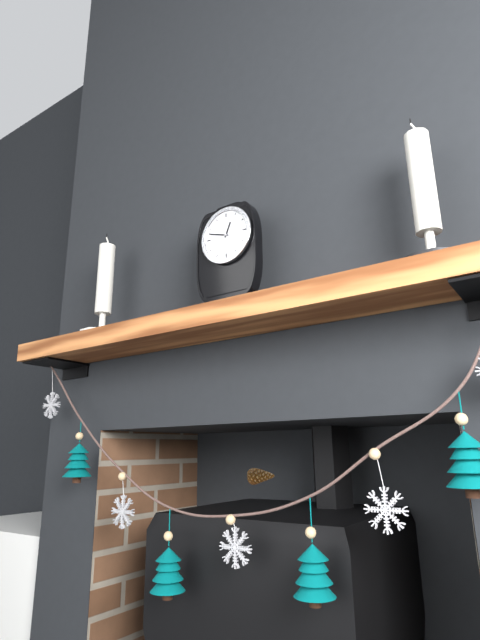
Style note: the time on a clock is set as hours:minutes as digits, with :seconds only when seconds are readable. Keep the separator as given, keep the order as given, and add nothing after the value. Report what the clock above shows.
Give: 12:48
